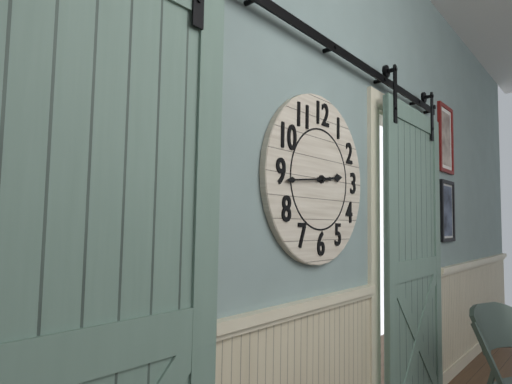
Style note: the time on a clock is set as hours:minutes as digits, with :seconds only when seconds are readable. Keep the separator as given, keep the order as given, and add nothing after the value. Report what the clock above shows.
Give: 2:44
